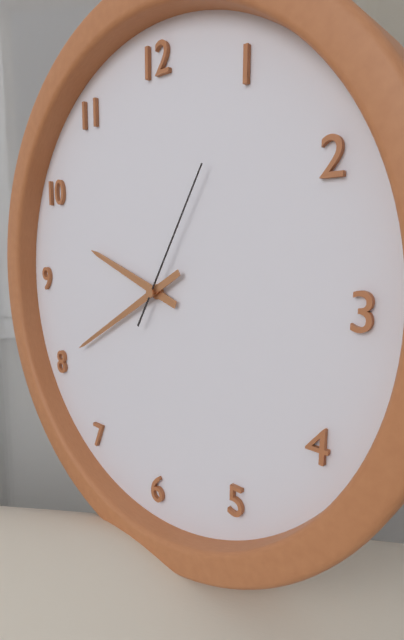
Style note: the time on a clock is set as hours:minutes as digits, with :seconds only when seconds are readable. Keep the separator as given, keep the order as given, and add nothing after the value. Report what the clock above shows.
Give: 9:40:05
